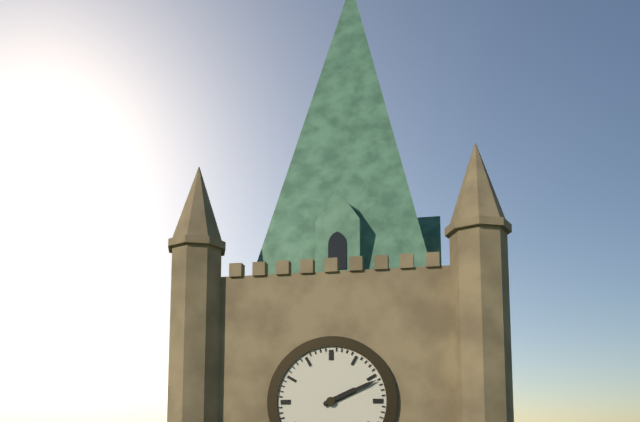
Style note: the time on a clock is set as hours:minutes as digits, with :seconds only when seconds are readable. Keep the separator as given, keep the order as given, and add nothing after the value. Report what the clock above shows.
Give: 2:11
